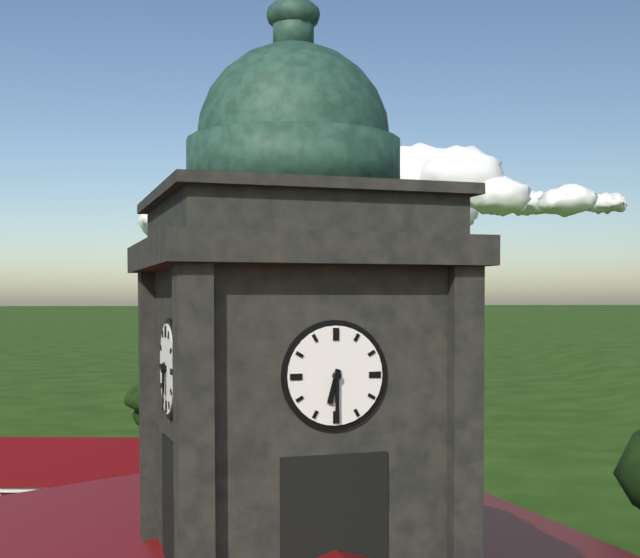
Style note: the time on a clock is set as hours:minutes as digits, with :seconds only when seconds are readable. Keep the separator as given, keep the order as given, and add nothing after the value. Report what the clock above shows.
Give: 6:30
